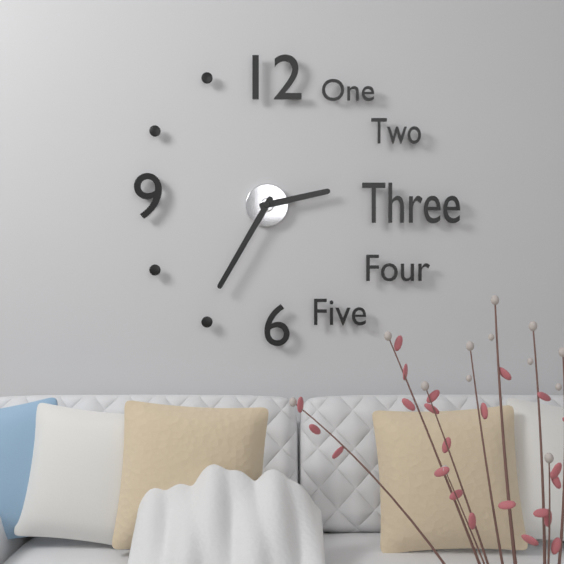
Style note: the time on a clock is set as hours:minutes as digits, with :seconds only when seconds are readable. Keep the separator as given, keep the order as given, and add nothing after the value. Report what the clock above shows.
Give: 2:35
